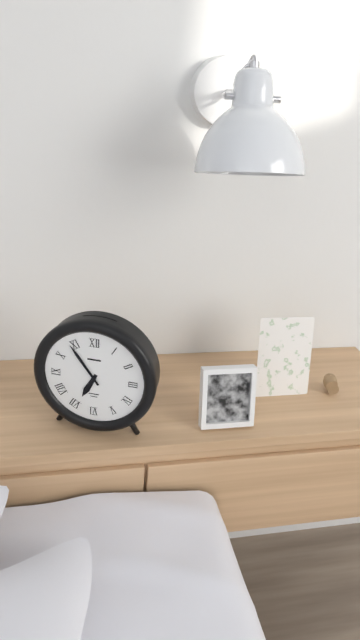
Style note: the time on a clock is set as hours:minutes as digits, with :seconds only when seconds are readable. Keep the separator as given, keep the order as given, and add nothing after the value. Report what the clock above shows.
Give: 6:54
